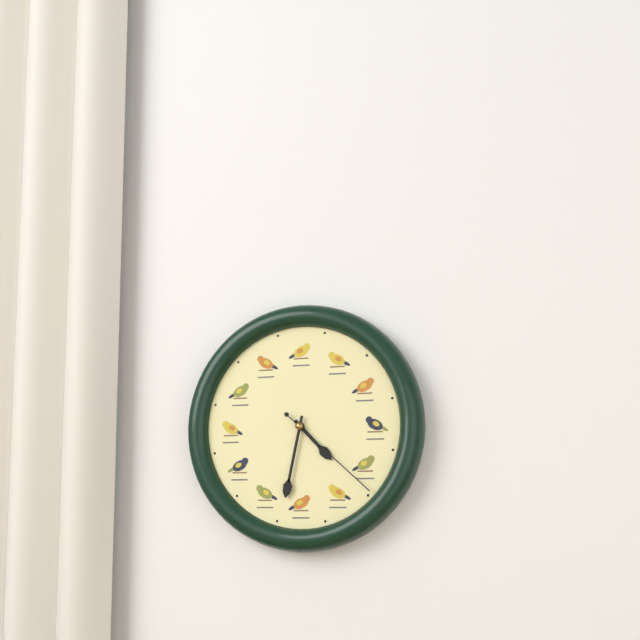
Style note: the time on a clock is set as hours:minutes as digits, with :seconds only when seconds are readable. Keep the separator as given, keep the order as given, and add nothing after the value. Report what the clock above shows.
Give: 4:32:22
